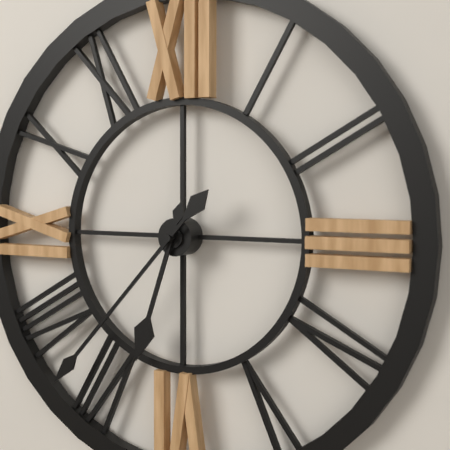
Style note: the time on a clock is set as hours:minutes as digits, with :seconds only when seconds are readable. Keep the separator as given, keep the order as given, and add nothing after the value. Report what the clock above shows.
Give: 6:37
